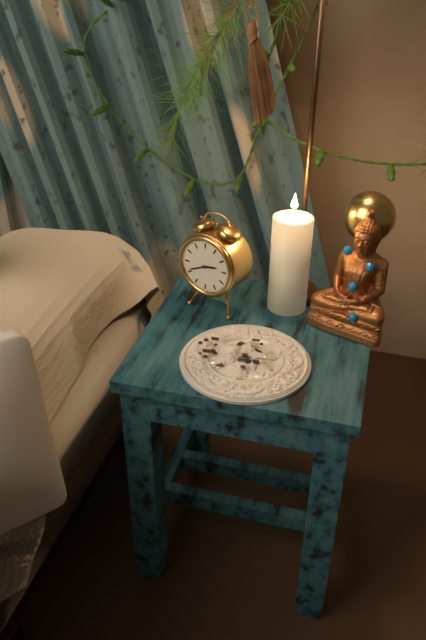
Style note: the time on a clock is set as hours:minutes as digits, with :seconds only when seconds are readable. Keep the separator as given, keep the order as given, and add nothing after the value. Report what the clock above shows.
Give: 2:41
